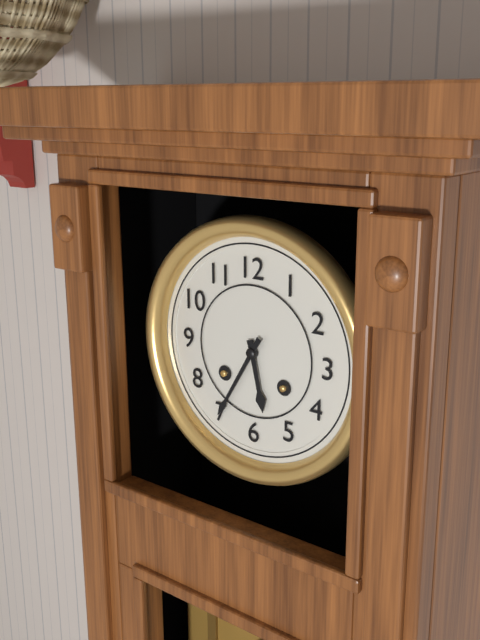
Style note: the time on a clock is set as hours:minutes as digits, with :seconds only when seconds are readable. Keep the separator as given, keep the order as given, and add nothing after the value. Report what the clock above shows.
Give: 5:35
